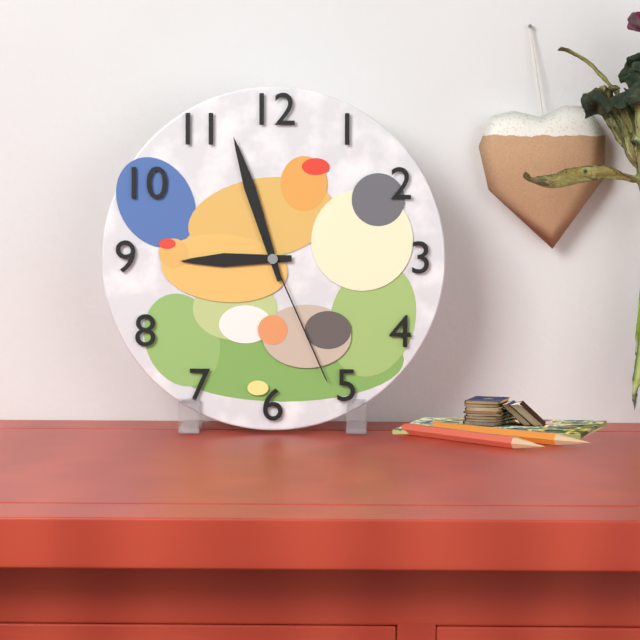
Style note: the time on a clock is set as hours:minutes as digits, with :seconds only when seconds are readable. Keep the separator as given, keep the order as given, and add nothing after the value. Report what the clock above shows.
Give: 8:57:26
